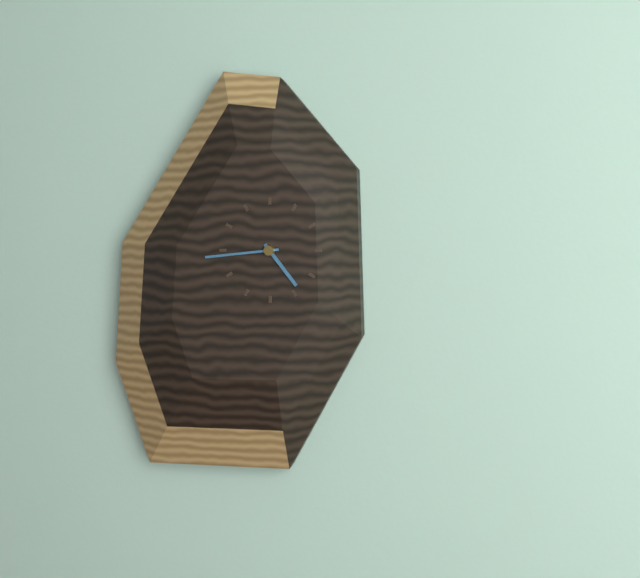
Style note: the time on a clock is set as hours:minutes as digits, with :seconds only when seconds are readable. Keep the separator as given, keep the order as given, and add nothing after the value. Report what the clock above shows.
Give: 4:44
